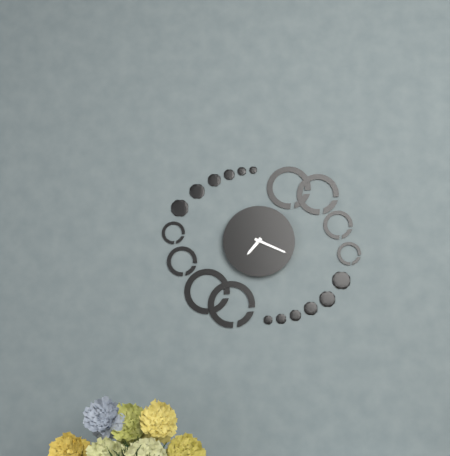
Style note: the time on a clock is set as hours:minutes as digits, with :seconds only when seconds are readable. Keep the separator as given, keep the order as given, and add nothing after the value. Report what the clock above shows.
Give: 7:19
